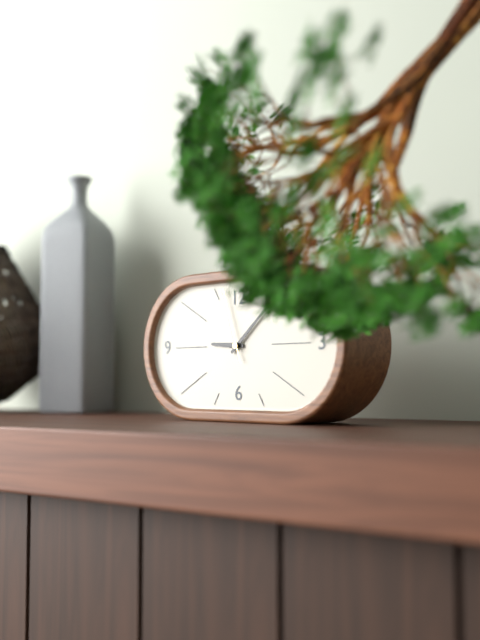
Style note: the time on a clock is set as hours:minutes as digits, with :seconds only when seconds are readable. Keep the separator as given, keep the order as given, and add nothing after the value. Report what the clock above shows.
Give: 9:08:57
